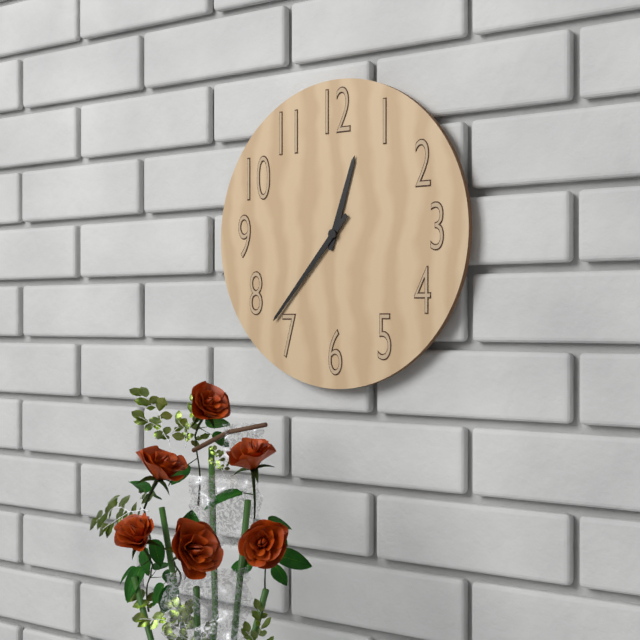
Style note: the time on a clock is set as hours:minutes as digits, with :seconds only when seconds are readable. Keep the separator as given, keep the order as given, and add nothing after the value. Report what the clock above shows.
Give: 12:37
